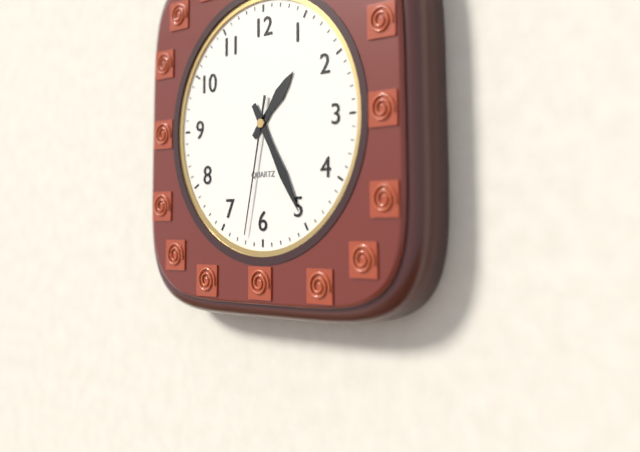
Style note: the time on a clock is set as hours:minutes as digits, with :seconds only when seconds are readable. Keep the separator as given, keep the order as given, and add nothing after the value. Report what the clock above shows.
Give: 1:25:32
